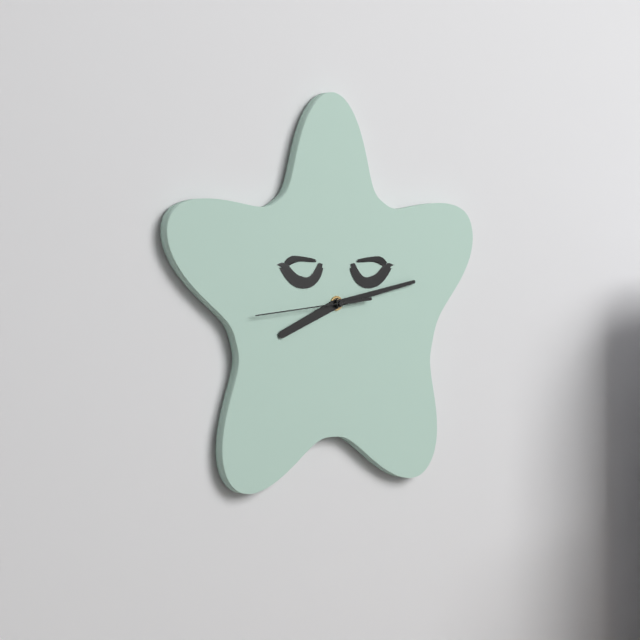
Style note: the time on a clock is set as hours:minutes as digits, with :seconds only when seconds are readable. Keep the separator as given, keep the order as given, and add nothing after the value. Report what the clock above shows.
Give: 8:13:44
